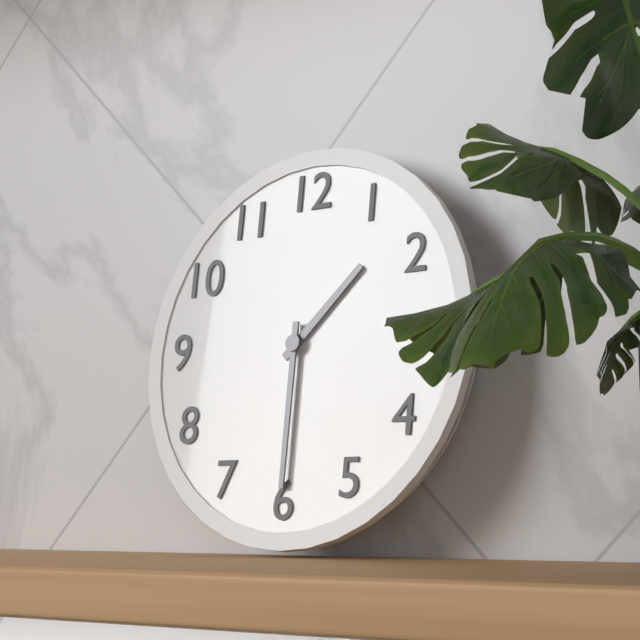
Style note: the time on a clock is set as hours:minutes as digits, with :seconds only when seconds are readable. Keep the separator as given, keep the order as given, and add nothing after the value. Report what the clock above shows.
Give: 1:30
